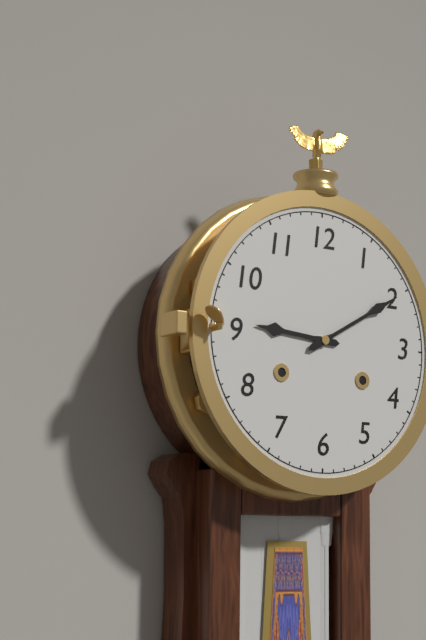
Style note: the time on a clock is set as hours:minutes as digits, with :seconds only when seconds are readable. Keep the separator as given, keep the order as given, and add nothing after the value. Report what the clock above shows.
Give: 9:10
